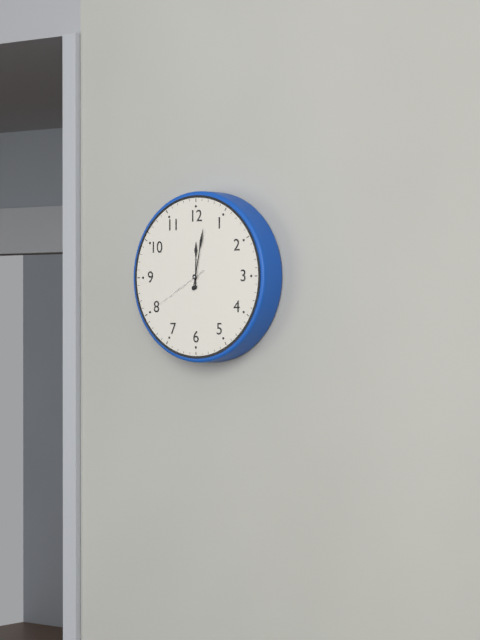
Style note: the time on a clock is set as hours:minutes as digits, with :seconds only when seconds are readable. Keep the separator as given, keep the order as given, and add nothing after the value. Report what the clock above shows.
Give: 12:02:40
